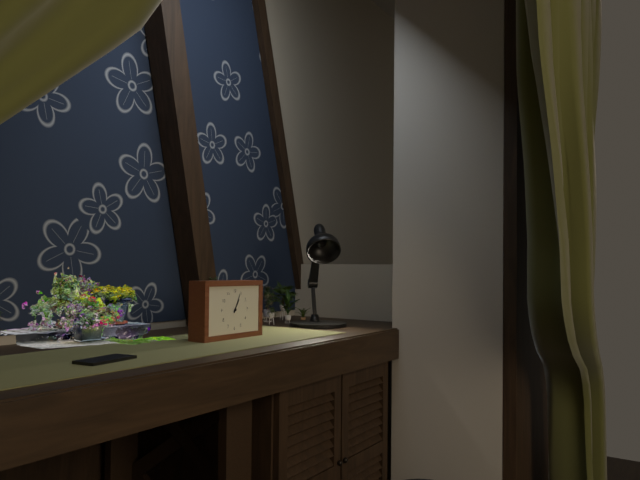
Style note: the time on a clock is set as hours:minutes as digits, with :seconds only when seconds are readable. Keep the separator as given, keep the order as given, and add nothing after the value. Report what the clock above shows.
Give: 1:04
